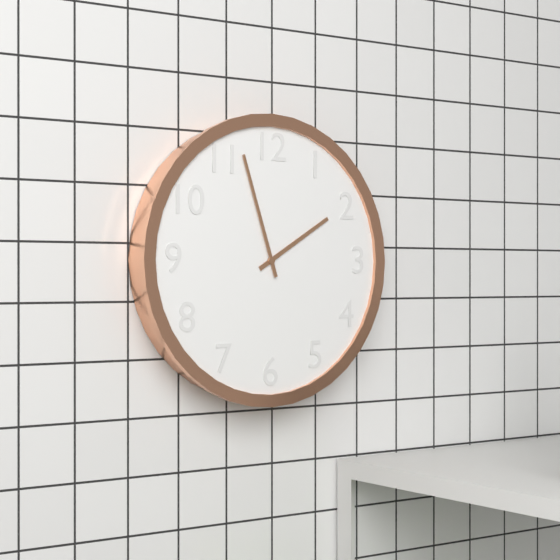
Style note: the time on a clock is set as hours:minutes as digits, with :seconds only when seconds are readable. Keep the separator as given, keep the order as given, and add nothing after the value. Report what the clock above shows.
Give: 1:57
